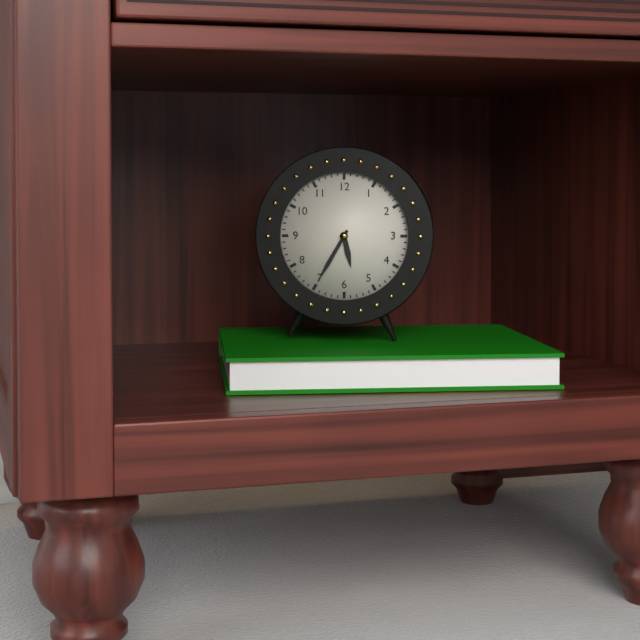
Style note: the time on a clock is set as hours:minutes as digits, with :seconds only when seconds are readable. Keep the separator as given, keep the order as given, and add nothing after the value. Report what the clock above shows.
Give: 5:35
